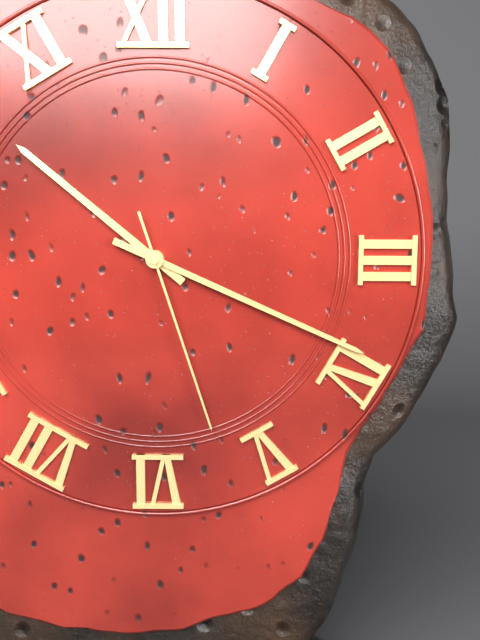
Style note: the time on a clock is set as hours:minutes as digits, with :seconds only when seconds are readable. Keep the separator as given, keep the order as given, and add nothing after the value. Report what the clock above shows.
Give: 10:19:27
